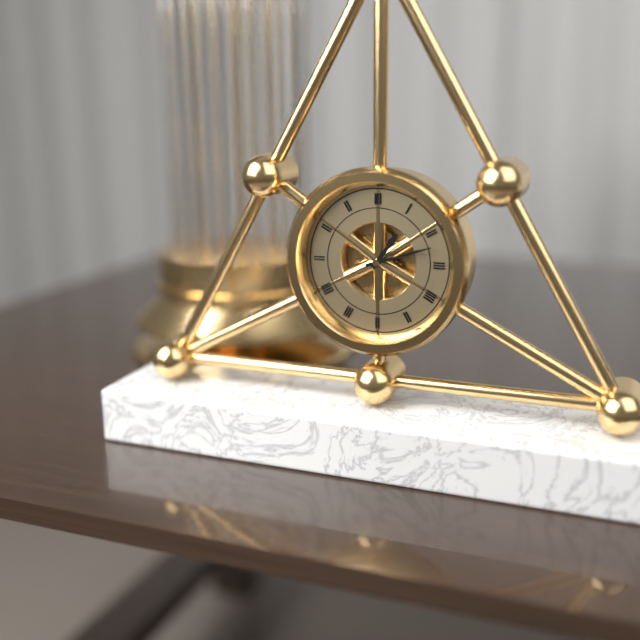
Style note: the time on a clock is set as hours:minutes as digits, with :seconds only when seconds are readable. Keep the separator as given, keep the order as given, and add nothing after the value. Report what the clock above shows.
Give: 1:12
